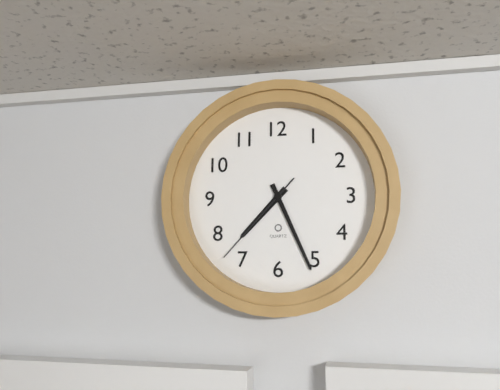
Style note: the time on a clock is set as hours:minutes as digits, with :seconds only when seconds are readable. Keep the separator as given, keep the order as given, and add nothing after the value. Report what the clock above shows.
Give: 7:26:37
